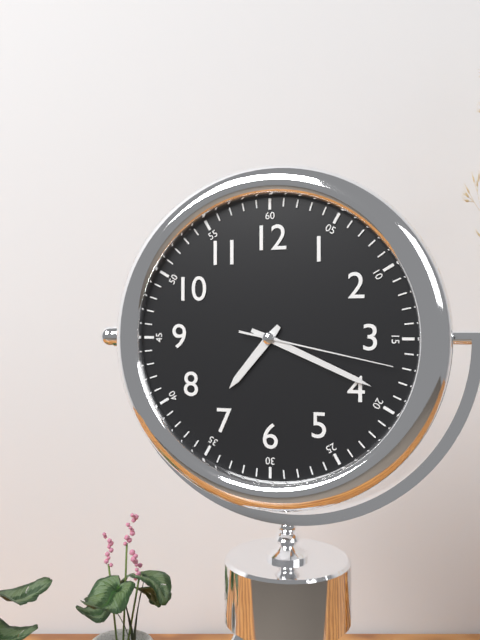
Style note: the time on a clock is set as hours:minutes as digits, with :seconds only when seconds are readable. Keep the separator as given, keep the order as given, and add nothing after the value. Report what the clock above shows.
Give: 7:19:17
